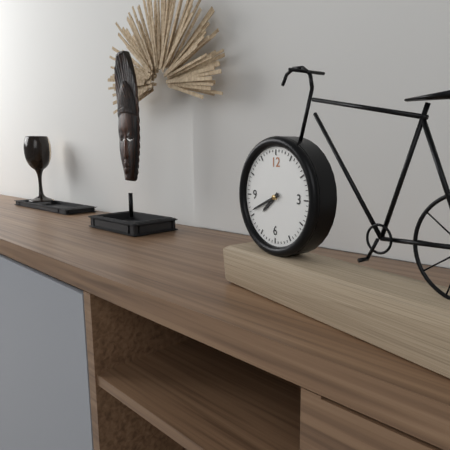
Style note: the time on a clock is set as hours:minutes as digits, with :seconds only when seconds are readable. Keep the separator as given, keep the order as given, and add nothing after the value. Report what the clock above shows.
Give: 7:41
